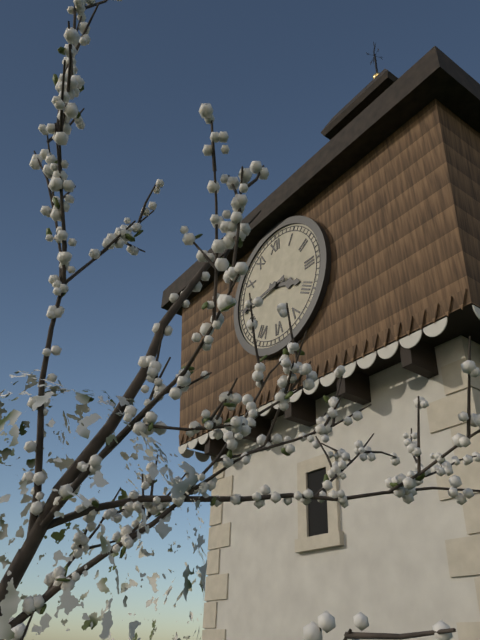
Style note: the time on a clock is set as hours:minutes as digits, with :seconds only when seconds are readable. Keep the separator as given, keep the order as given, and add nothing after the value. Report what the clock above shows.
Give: 3:44
